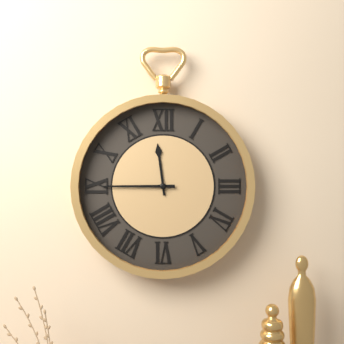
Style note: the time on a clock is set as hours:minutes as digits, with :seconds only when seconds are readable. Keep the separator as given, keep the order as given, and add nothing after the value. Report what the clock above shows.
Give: 11:45
